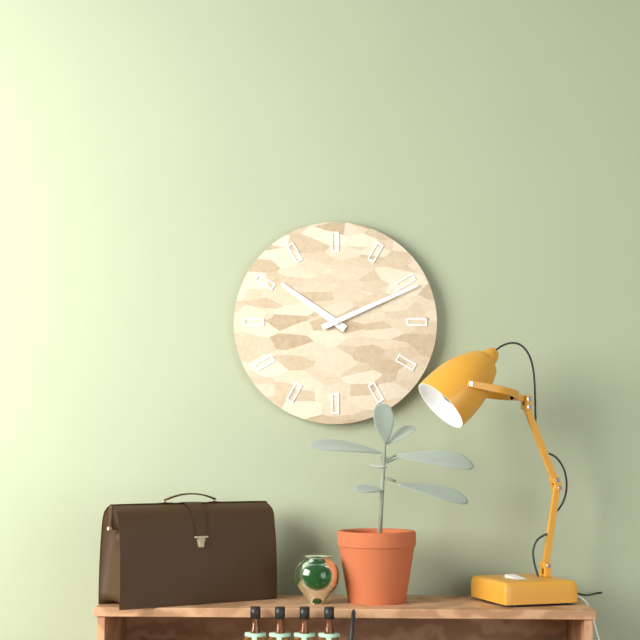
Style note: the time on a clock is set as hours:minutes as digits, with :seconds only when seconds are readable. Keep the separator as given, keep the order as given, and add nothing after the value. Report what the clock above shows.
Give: 10:11
